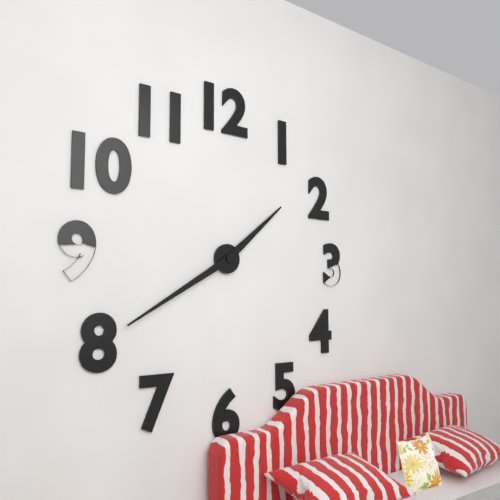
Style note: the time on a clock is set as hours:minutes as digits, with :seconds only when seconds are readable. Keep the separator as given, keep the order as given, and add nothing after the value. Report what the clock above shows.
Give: 1:40
